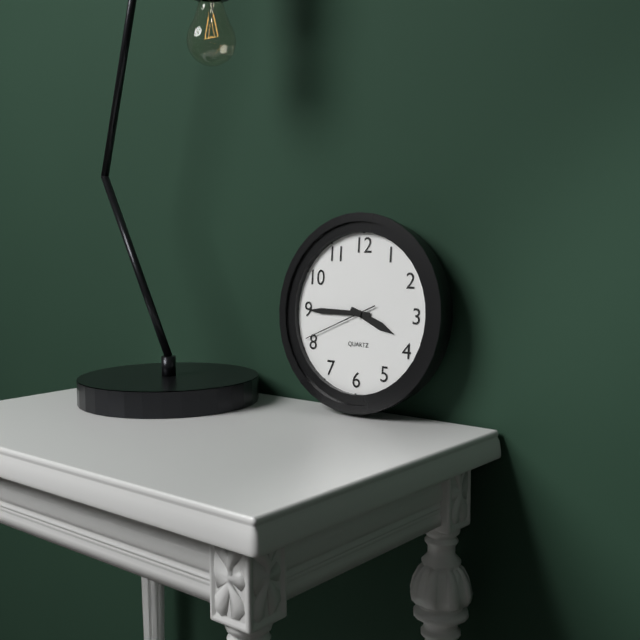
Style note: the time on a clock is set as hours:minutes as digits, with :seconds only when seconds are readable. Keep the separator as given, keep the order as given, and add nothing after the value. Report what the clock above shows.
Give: 3:45:41
